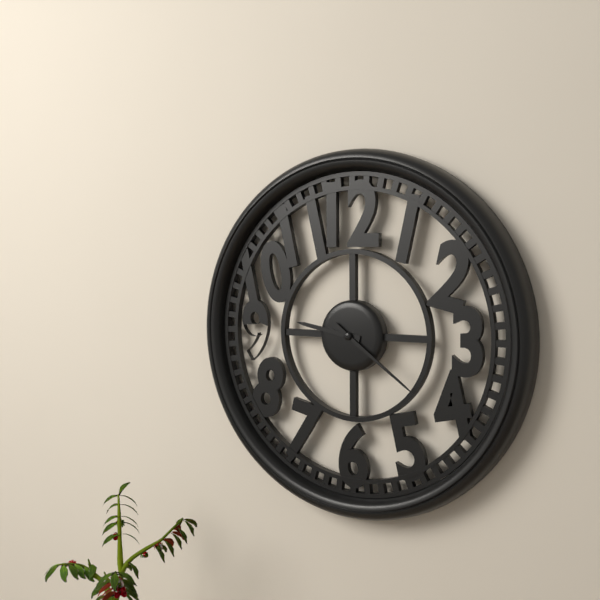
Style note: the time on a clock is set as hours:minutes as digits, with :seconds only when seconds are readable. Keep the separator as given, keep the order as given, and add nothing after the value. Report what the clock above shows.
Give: 9:21
